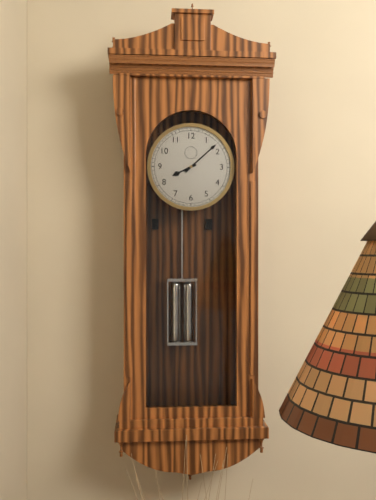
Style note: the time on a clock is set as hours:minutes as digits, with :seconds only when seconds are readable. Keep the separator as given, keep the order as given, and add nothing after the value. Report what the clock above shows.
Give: 8:08
